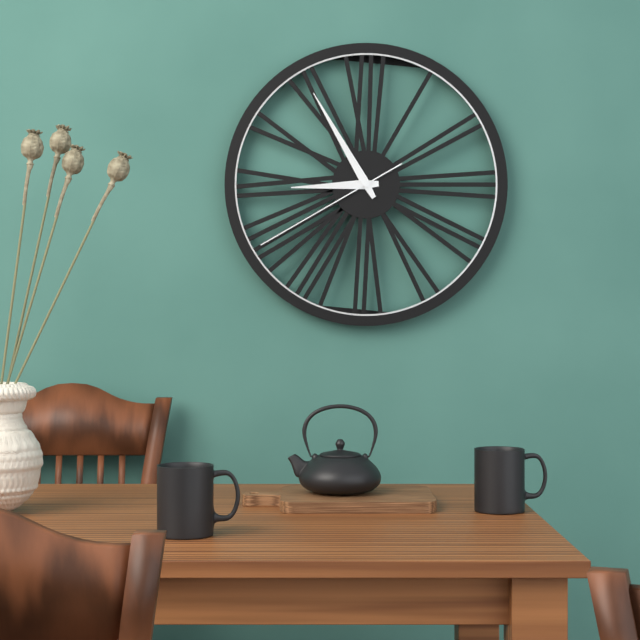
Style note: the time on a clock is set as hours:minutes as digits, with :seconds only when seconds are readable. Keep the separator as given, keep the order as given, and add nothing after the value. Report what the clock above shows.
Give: 8:55:40
